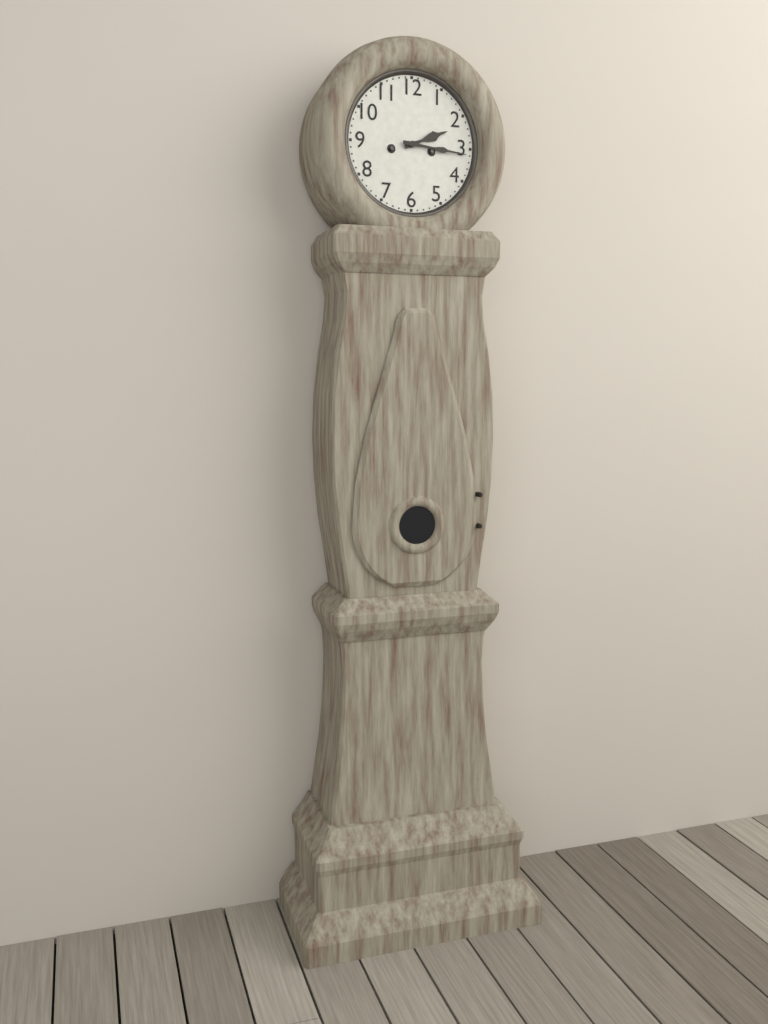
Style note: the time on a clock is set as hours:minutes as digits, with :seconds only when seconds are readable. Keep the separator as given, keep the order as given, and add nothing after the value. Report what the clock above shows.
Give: 2:16
